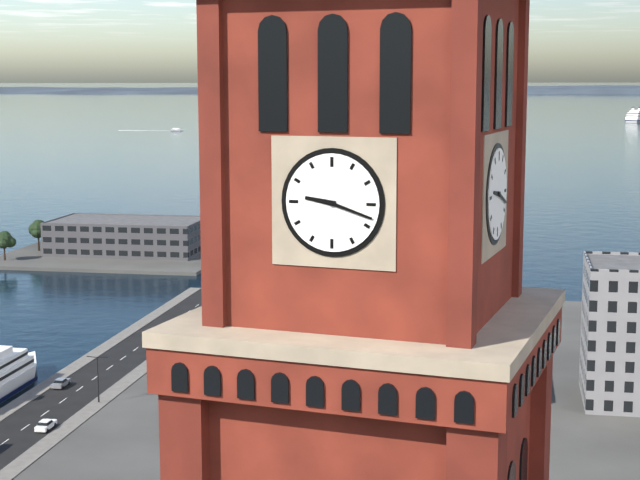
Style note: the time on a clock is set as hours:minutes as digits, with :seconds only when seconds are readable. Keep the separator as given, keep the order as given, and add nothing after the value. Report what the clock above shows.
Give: 9:18
